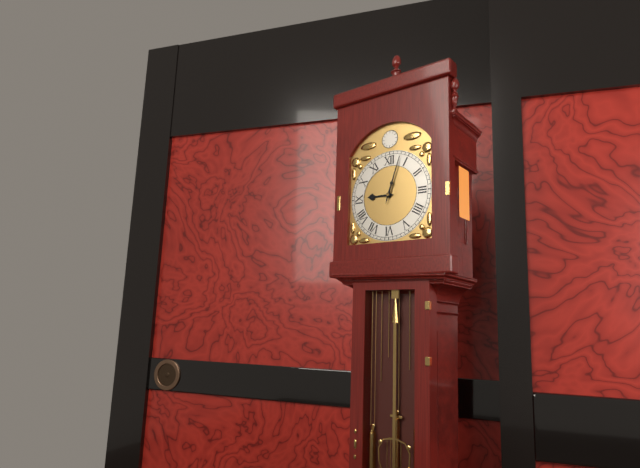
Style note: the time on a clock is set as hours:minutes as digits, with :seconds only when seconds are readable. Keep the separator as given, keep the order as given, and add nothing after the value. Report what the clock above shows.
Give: 9:03
